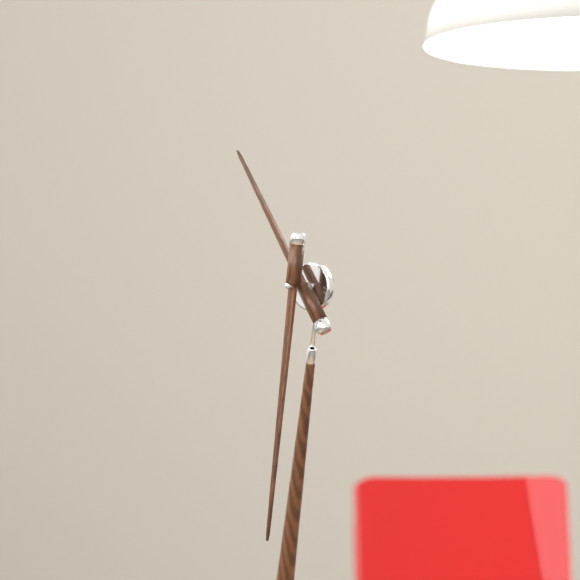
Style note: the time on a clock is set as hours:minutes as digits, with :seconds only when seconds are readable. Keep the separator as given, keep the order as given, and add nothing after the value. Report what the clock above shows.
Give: 10:29
